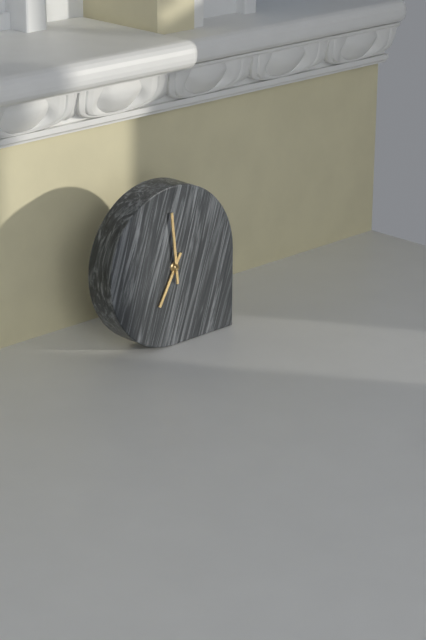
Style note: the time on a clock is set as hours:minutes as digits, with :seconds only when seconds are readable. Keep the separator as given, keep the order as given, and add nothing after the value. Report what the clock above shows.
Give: 6:59
